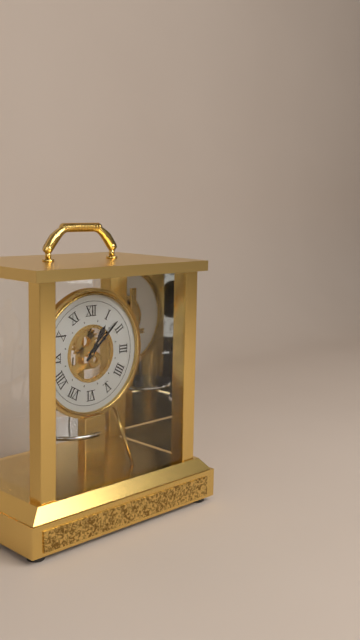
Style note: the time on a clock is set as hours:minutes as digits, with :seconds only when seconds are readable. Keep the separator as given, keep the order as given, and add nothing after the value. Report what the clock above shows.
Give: 1:08
